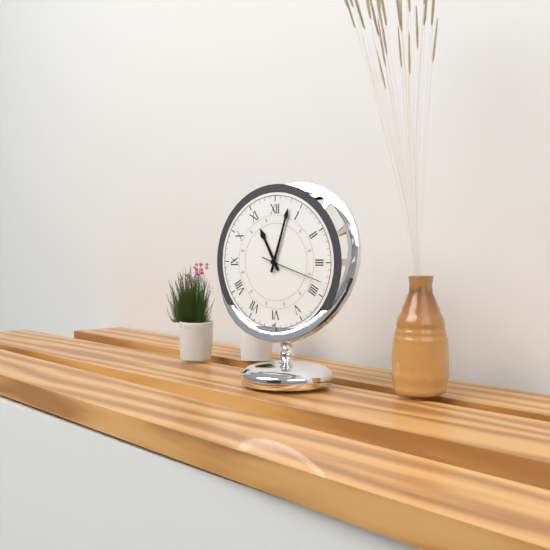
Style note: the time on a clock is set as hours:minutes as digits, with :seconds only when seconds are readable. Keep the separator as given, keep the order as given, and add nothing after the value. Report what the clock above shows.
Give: 11:03:18
